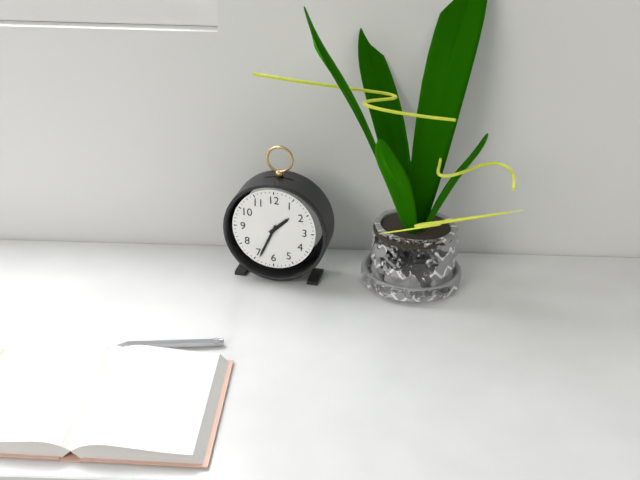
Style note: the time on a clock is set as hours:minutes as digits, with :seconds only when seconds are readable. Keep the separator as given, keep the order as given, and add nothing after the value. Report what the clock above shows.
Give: 1:34
